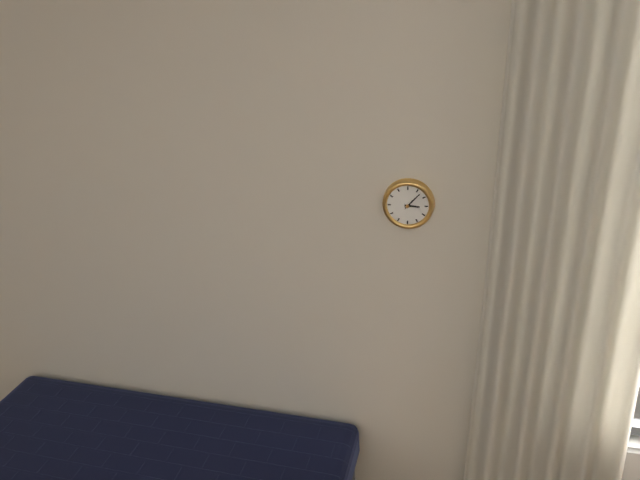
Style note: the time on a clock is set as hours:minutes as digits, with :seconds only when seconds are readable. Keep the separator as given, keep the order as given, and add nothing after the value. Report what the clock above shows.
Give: 3:07
